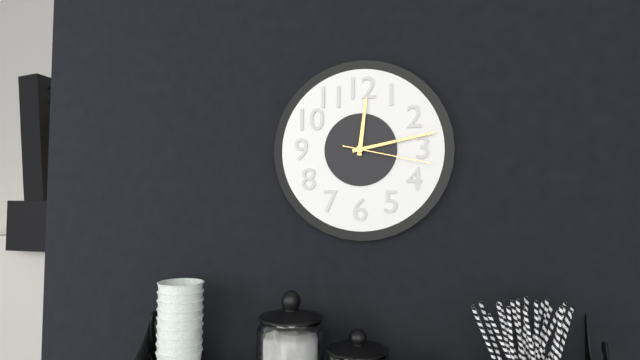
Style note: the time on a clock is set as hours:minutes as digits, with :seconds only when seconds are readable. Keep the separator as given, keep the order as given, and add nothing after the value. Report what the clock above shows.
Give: 12:13:17
